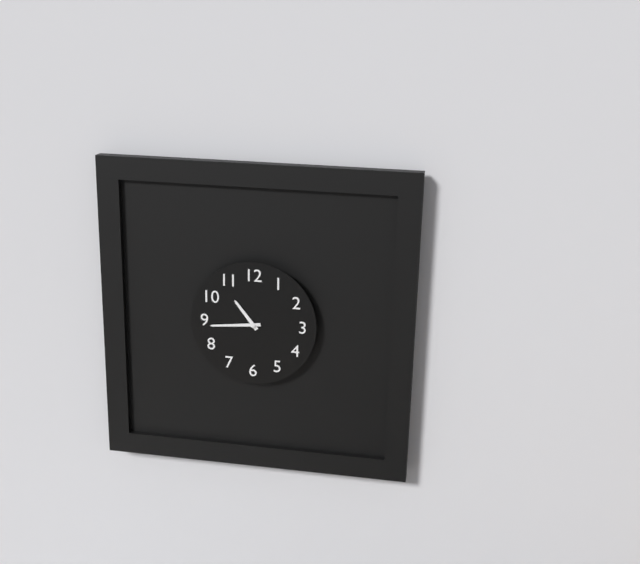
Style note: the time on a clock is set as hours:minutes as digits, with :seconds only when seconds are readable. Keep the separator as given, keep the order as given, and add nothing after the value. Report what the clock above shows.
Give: 10:44
